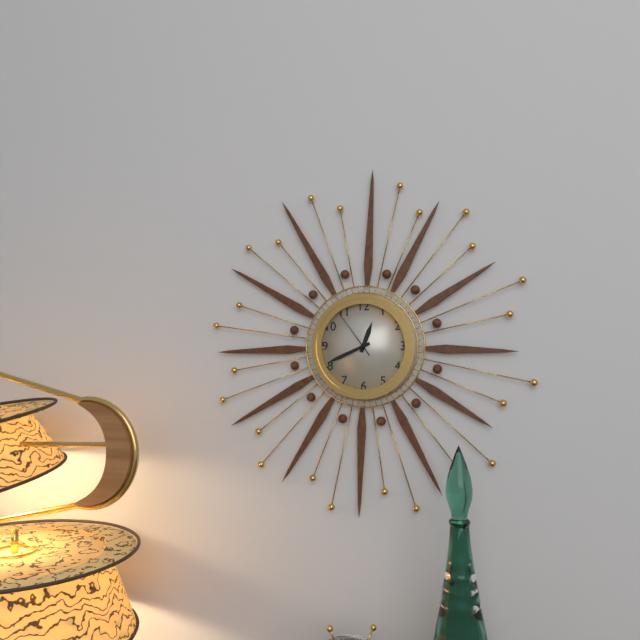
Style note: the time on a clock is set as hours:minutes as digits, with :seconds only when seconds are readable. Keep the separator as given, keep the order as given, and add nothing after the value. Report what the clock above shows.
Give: 12:41:54
